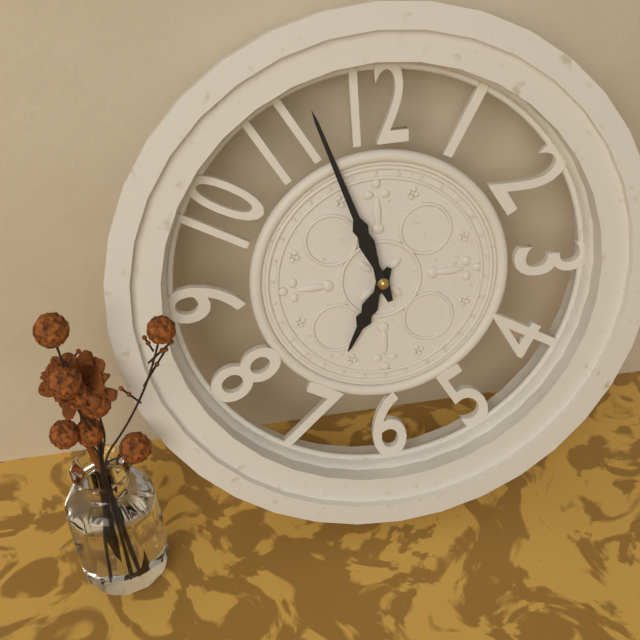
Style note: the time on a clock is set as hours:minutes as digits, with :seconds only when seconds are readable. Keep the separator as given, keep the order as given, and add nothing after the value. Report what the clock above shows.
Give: 6:57
